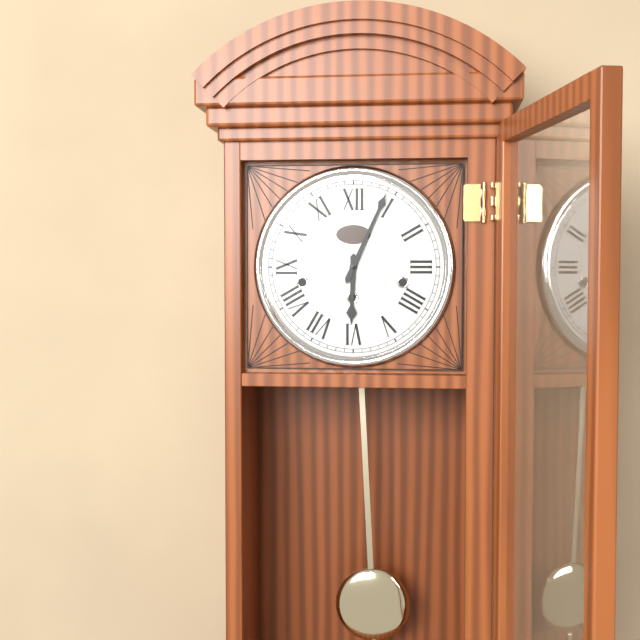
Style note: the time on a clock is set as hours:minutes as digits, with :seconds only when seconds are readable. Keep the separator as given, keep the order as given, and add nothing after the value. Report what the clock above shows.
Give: 6:04
